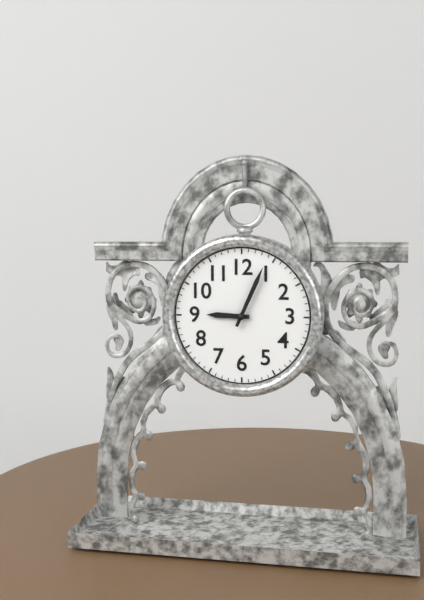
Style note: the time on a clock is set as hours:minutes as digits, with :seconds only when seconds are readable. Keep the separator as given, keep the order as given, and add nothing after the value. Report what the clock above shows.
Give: 9:04
